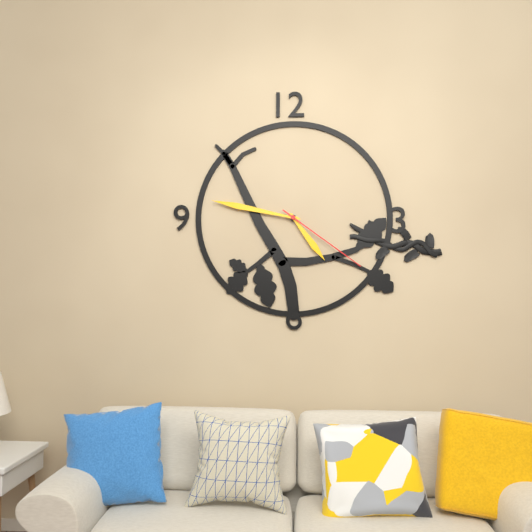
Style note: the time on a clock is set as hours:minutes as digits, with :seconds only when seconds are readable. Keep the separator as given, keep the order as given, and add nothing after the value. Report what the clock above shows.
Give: 4:47:21
